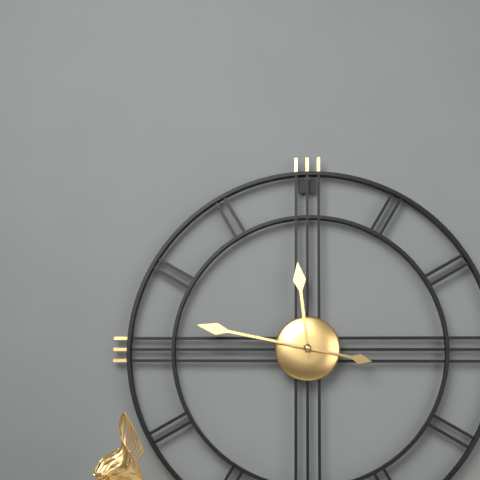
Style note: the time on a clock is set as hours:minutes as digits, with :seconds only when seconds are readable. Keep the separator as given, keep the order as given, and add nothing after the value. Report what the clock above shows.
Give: 11:47
